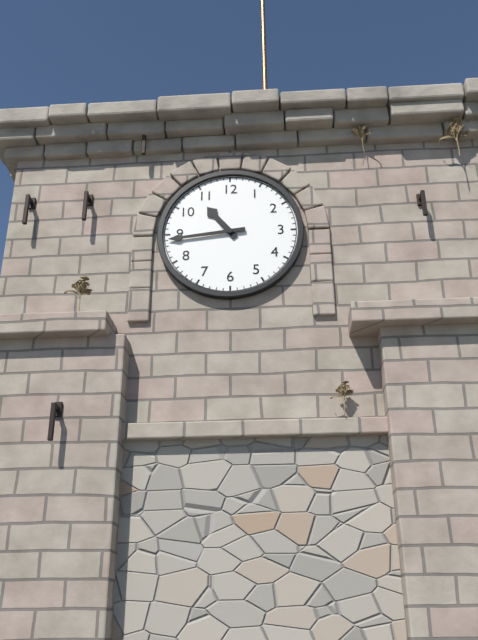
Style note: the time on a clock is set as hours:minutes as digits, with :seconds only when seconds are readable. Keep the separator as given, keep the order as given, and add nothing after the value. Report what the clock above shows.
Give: 10:44
